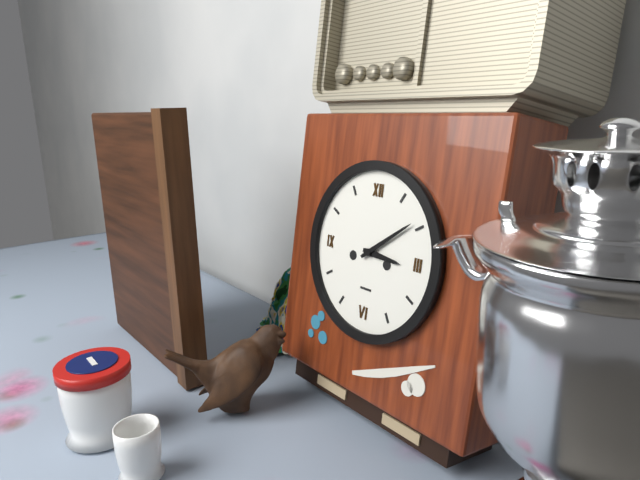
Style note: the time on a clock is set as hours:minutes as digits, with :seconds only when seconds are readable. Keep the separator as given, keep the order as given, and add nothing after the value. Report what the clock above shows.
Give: 3:09
